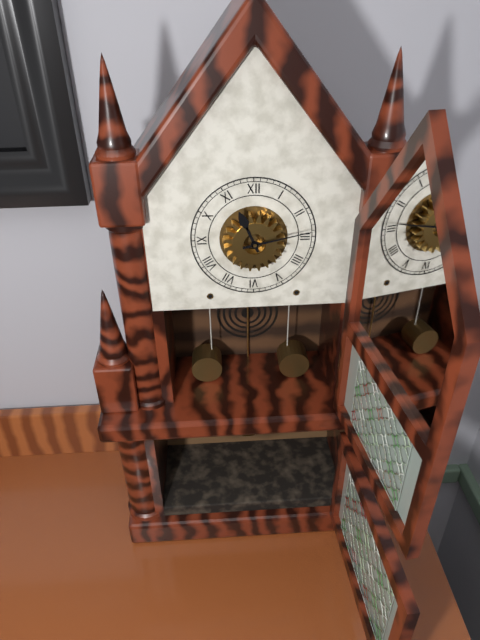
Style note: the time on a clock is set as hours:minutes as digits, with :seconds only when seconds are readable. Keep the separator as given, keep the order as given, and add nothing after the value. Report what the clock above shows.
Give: 11:13
